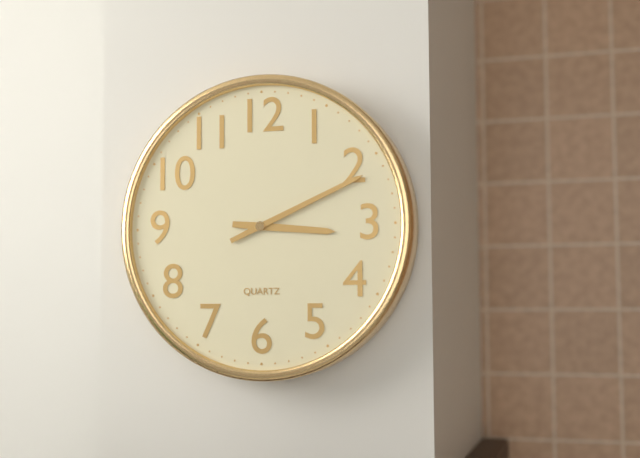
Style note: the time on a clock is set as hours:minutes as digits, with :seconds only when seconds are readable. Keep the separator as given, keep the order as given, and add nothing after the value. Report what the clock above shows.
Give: 3:11
